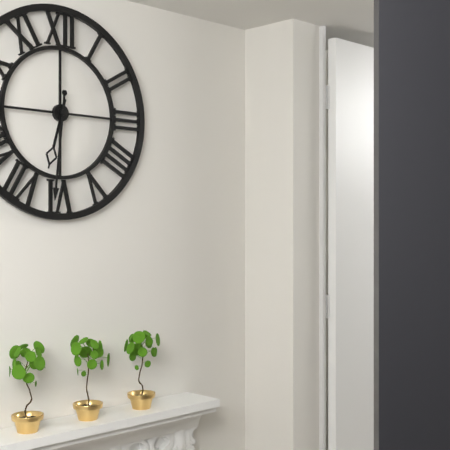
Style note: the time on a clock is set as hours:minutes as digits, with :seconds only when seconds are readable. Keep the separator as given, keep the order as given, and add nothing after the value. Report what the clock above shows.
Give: 6:31
